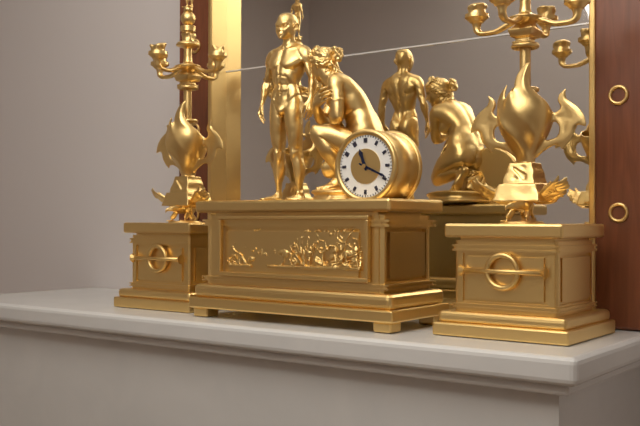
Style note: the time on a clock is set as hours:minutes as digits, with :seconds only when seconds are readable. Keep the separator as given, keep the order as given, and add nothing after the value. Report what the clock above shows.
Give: 11:19
